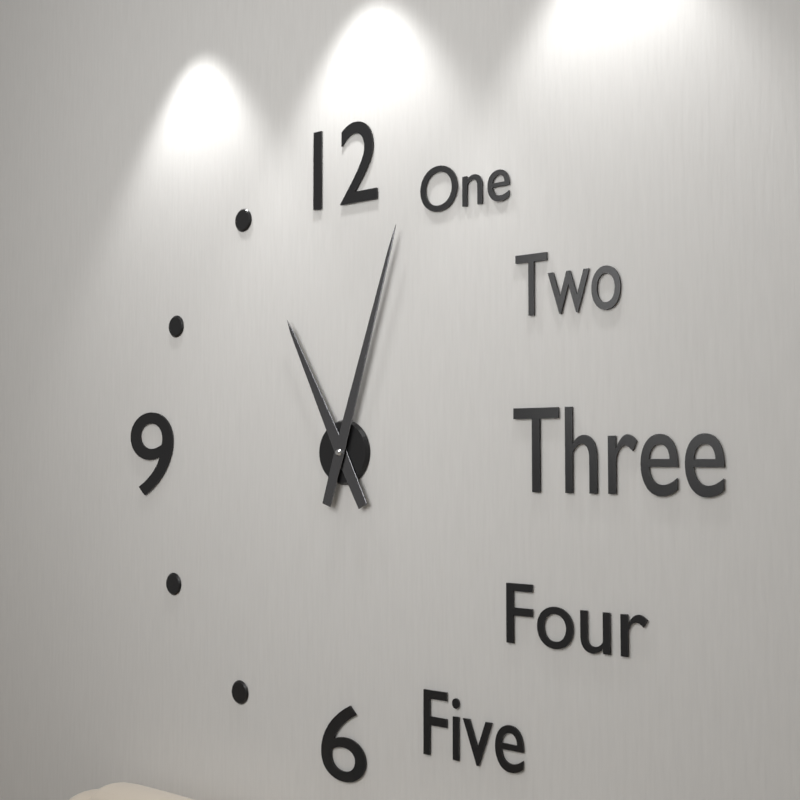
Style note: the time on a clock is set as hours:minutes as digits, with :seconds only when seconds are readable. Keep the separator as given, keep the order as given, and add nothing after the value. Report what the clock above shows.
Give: 11:03
